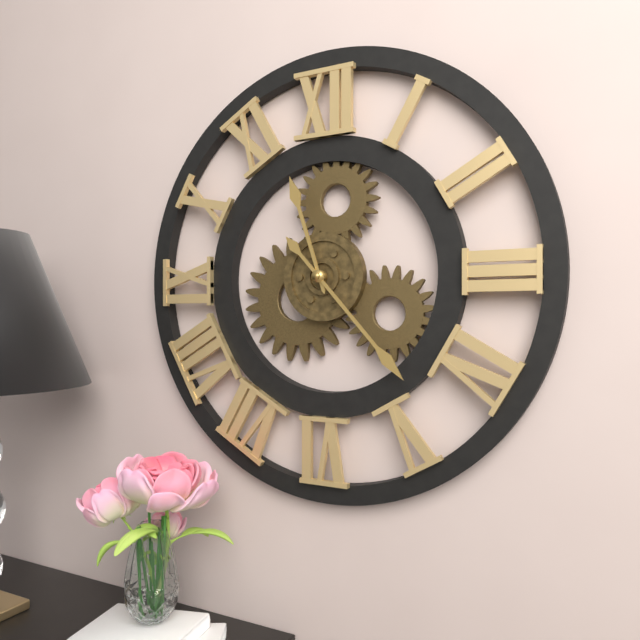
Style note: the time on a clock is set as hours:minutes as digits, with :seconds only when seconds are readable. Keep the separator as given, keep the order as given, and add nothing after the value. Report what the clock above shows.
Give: 11:23
